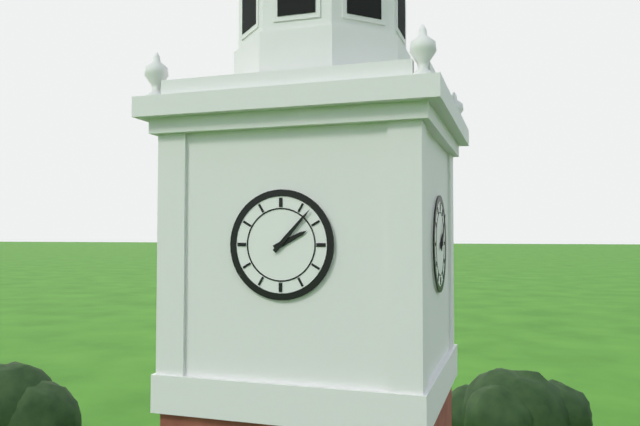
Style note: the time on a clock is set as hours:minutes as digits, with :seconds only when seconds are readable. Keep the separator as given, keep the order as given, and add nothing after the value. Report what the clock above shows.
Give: 2:07
